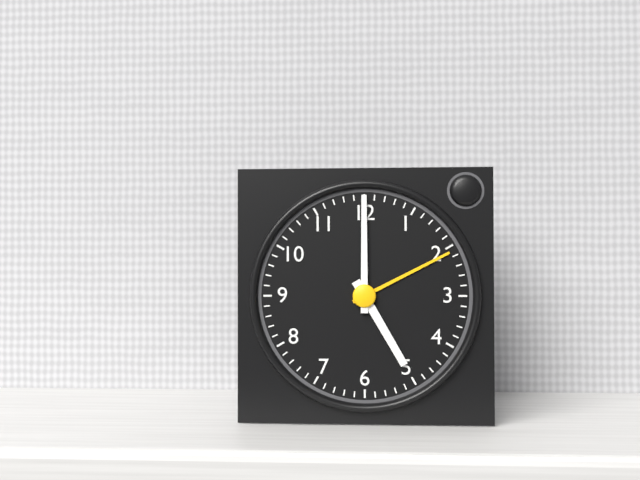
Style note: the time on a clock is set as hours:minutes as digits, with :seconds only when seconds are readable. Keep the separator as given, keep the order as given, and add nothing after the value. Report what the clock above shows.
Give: 5:00
